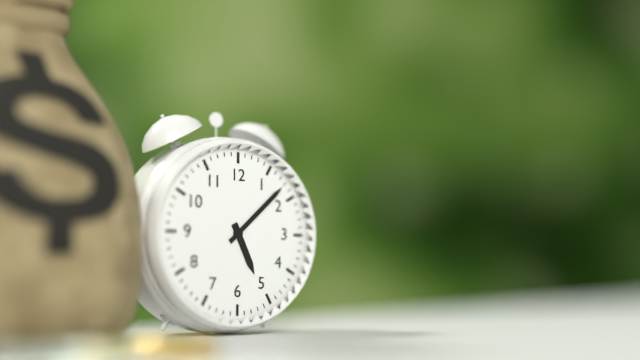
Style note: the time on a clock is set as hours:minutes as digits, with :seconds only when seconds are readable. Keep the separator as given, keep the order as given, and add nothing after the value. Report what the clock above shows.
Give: 5:08
